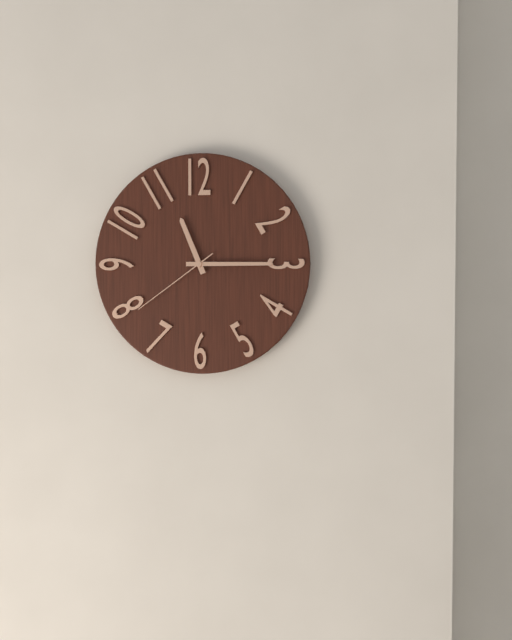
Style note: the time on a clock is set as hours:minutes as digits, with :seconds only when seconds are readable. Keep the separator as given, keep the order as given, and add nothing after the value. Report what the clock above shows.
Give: 11:15:39
